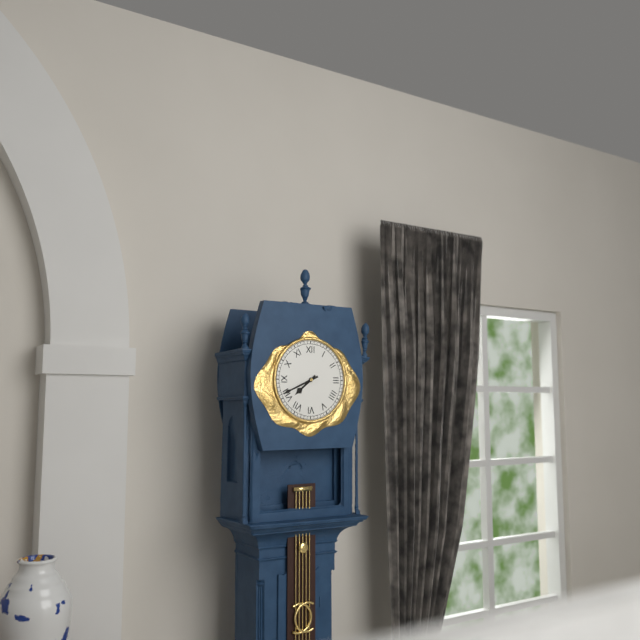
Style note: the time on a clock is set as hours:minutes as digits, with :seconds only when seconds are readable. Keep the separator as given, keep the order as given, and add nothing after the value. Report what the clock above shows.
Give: 7:41
